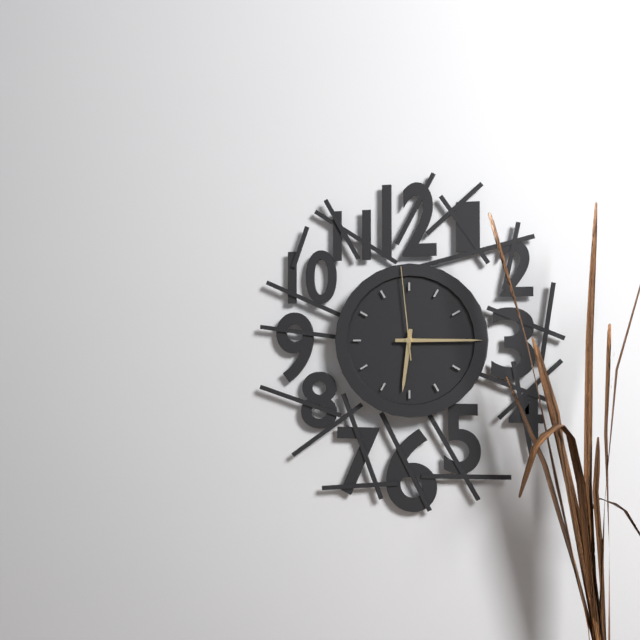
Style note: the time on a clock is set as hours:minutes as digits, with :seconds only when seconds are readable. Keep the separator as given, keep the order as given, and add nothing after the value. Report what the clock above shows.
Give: 6:15:59
